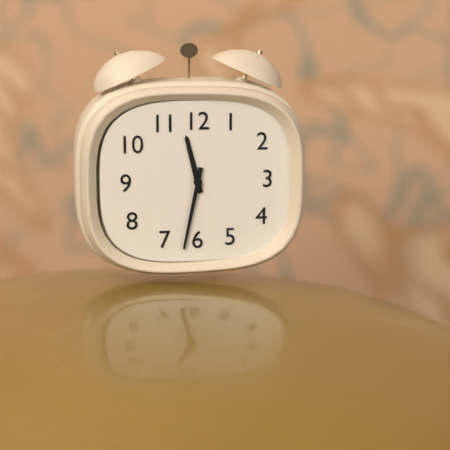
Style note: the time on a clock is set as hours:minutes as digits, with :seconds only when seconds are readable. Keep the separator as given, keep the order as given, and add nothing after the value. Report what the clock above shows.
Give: 11:32
